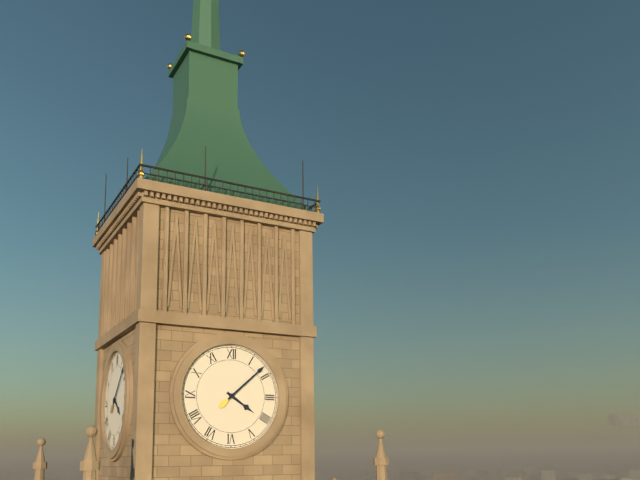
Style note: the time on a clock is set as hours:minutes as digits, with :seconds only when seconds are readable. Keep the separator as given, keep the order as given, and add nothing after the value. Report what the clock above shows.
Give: 4:08
